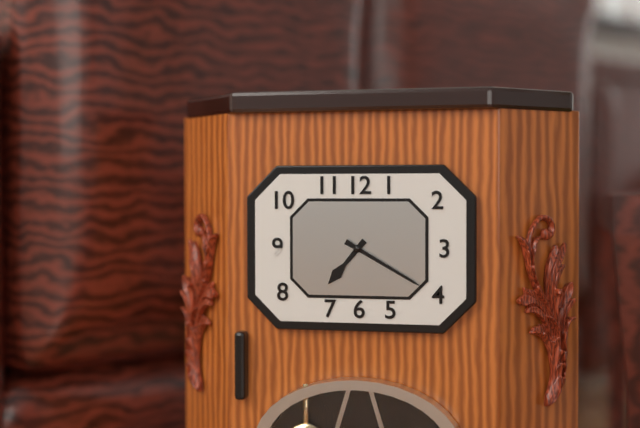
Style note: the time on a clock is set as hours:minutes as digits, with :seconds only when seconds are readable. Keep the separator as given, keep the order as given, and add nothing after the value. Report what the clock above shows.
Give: 7:20
